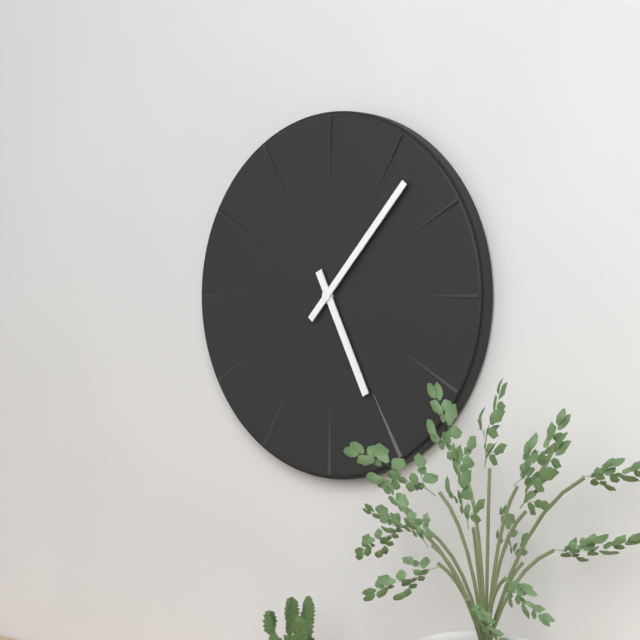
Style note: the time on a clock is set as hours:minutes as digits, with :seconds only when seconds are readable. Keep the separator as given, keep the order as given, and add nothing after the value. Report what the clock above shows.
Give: 5:07
